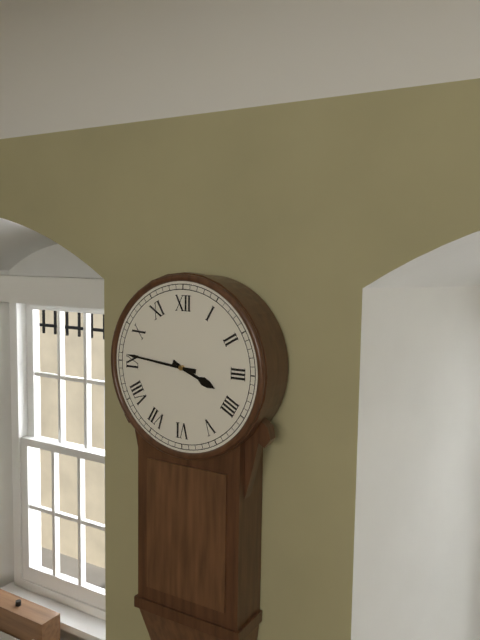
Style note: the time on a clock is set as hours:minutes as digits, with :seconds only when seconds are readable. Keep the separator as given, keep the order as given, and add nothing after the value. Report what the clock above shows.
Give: 3:46
